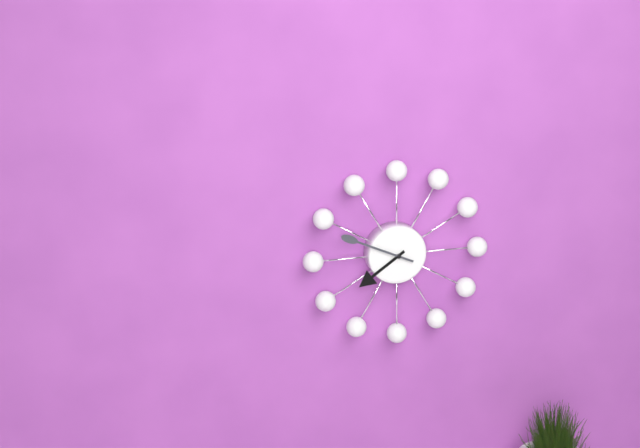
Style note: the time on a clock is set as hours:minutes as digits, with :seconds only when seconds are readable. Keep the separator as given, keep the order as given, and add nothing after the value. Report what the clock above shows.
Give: 7:49
